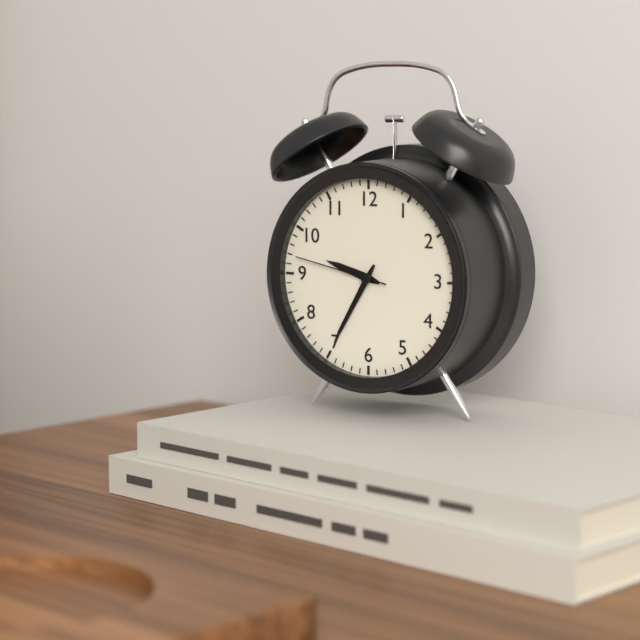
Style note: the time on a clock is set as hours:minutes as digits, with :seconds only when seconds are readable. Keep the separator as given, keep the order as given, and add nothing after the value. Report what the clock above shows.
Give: 9:35:47
